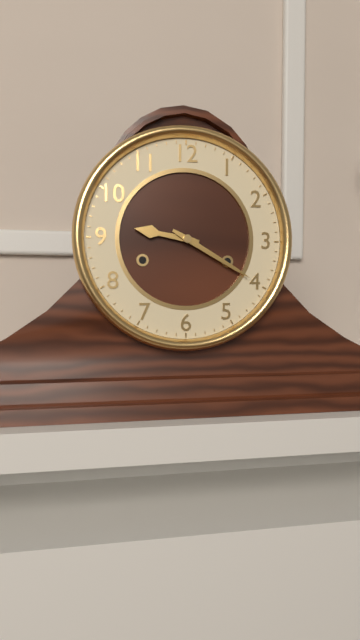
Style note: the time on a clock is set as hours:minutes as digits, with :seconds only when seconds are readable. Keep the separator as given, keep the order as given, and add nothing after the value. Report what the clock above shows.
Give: 9:20
